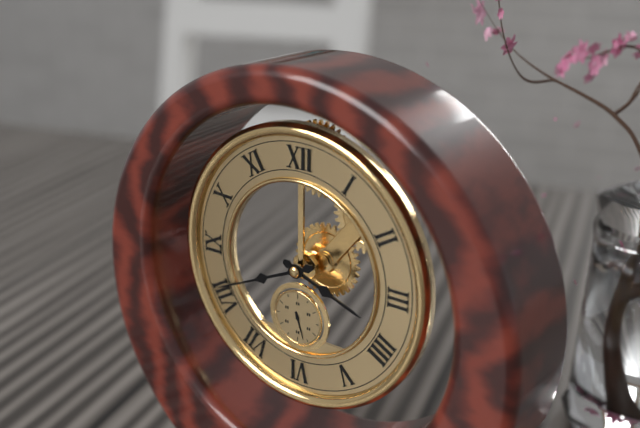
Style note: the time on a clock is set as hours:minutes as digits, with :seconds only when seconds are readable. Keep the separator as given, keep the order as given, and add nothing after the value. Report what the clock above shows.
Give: 3:41
